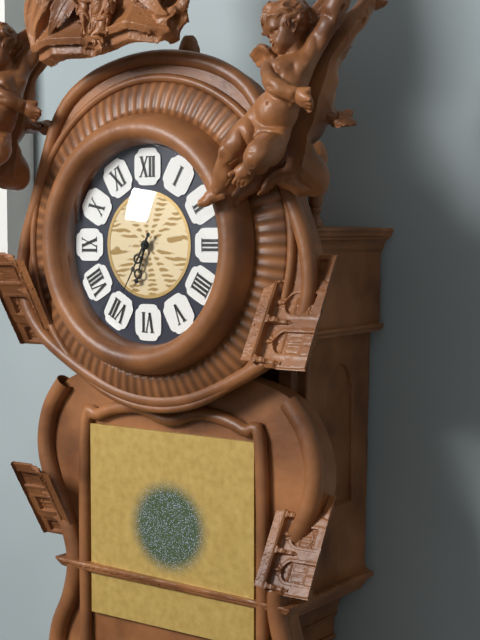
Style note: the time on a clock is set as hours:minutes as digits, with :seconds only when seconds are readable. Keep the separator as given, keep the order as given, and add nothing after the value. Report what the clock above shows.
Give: 6:35
